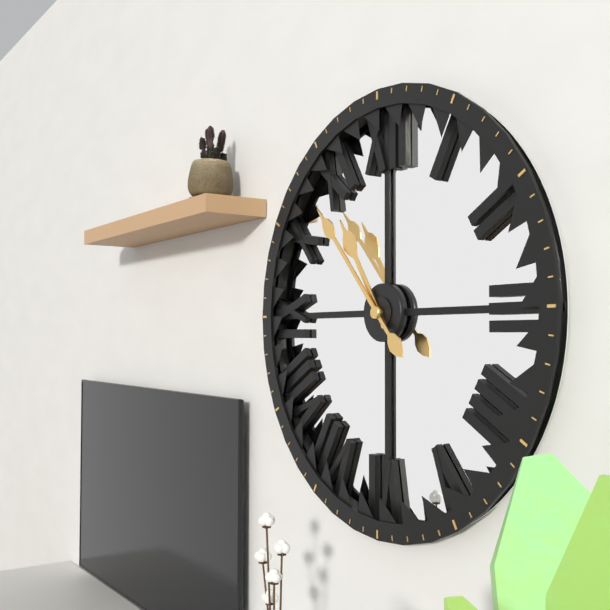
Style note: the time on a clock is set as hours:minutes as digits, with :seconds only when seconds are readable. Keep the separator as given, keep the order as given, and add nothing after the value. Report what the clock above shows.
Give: 10:53
